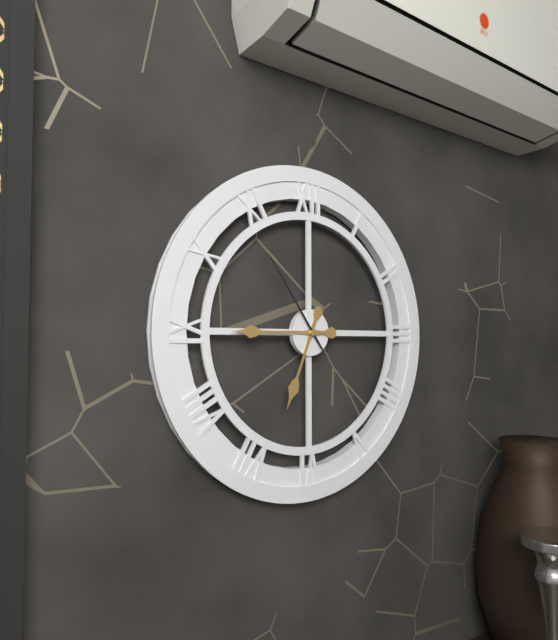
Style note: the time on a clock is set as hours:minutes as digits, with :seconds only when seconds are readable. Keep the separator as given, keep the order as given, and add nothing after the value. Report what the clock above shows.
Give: 6:45:54
